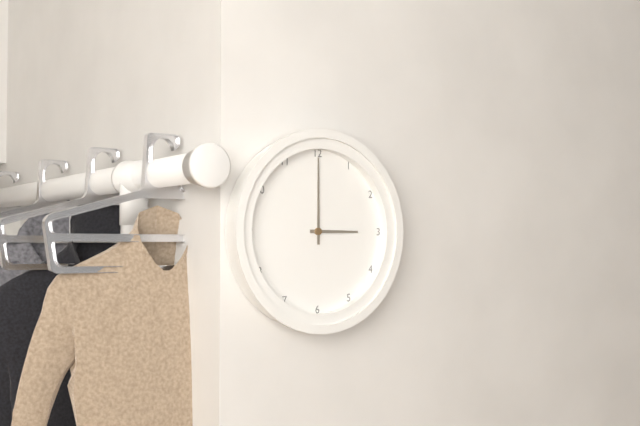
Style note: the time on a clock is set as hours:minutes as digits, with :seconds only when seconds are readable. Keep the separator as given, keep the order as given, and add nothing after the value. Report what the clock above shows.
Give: 3:00
